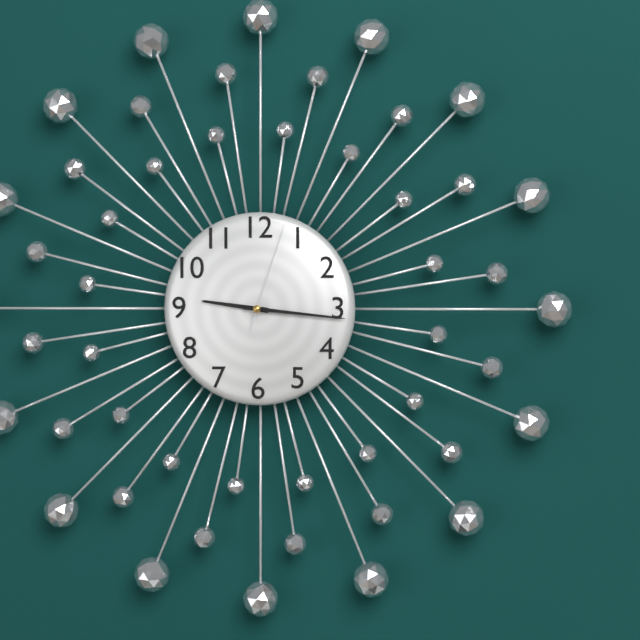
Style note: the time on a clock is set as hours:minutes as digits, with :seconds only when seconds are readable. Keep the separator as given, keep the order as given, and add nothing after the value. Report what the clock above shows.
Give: 9:16:03
